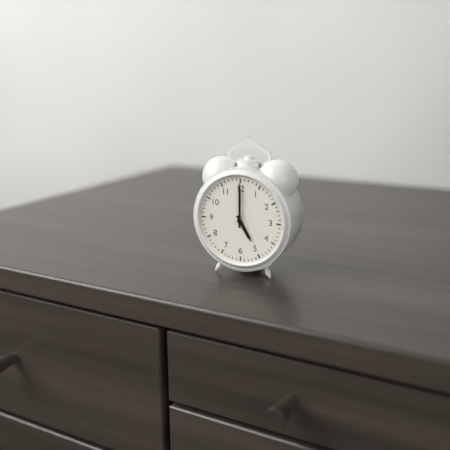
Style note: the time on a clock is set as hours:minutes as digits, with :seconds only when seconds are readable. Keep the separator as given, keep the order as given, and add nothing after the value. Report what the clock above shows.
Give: 5:00
